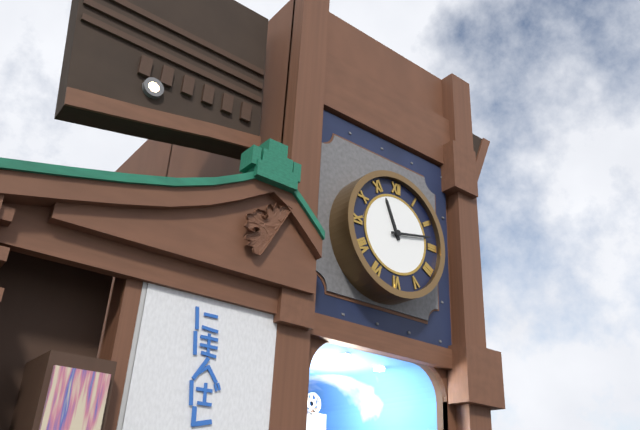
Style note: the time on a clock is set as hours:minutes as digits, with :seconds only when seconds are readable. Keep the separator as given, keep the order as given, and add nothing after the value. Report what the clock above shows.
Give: 11:13
